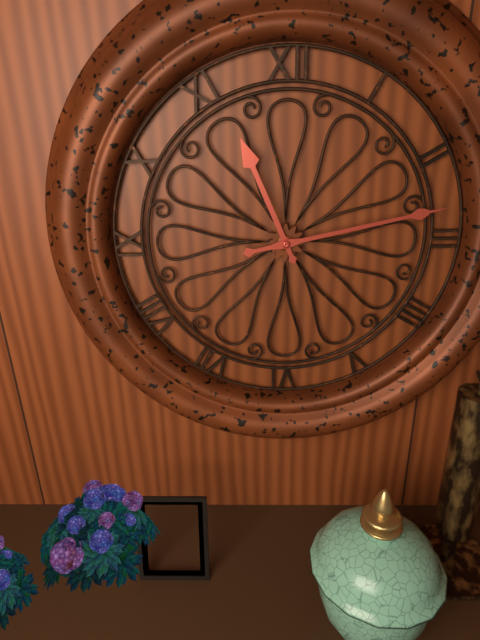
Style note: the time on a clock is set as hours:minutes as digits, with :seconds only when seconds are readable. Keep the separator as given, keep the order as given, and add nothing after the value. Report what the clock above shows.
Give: 11:13
